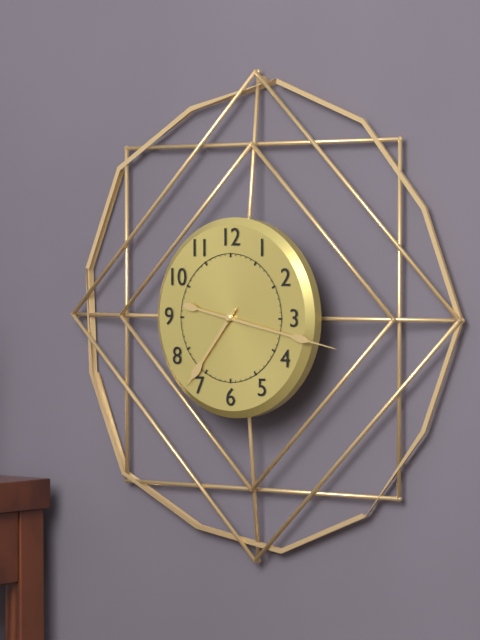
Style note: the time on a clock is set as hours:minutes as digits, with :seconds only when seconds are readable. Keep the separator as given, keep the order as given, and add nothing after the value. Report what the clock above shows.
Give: 7:17
